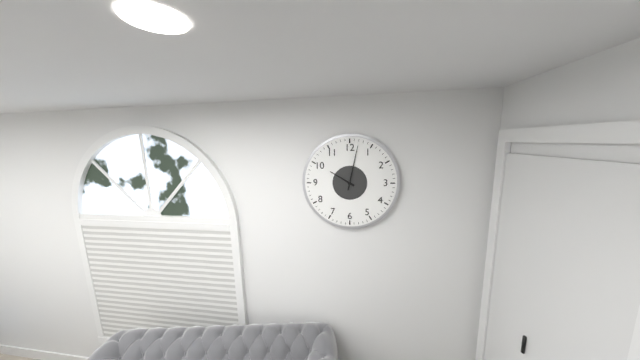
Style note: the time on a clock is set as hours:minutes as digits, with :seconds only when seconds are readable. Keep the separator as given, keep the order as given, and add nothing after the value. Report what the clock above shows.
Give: 10:02
